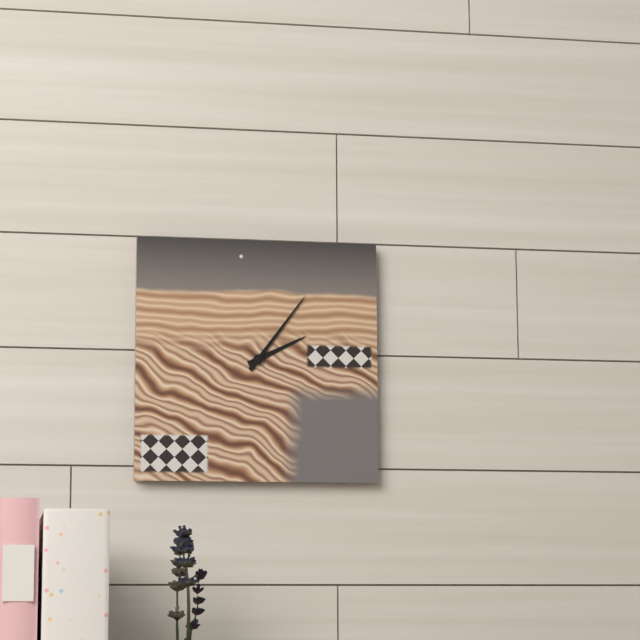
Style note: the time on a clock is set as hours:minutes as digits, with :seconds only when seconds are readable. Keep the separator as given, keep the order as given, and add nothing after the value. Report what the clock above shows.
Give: 2:06
